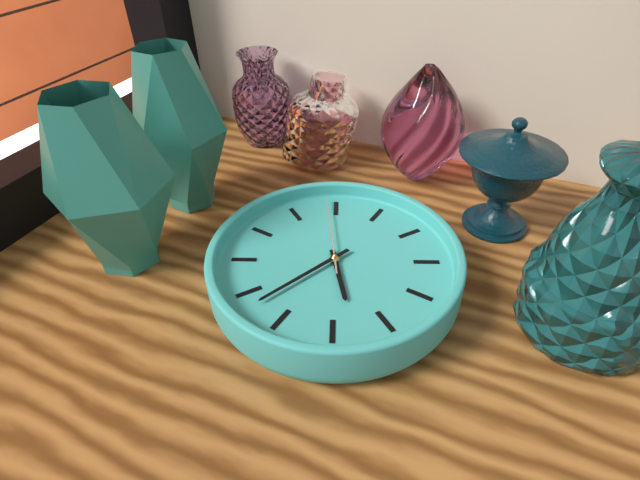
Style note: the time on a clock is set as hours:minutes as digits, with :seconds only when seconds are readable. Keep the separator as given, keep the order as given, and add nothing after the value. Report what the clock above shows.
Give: 5:38:59
